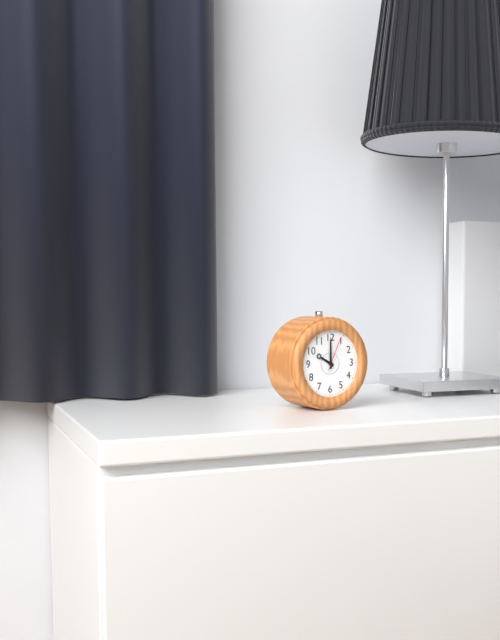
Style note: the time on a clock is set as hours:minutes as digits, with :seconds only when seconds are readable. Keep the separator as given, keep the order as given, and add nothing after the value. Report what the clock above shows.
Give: 10:00
